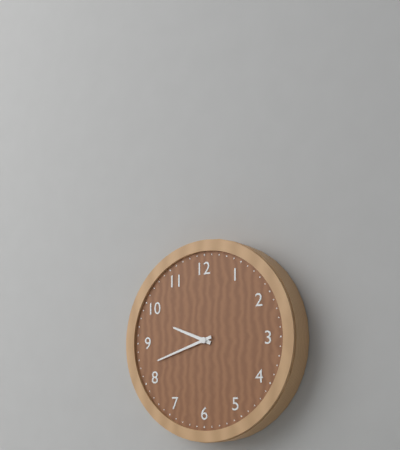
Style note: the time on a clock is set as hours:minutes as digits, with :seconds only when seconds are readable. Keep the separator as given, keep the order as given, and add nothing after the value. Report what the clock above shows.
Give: 9:42
